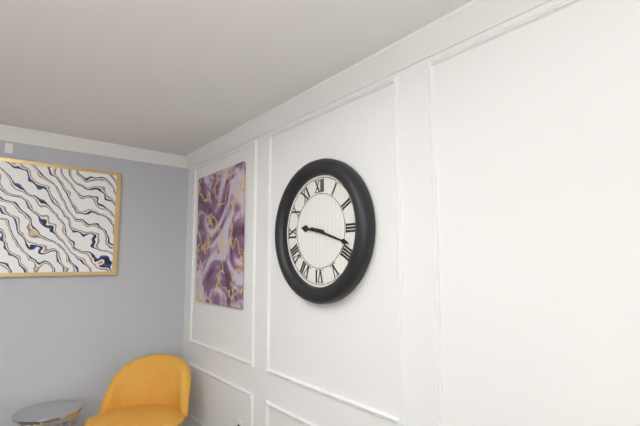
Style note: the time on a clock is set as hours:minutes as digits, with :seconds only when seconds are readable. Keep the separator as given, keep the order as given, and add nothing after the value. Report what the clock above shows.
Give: 9:18
